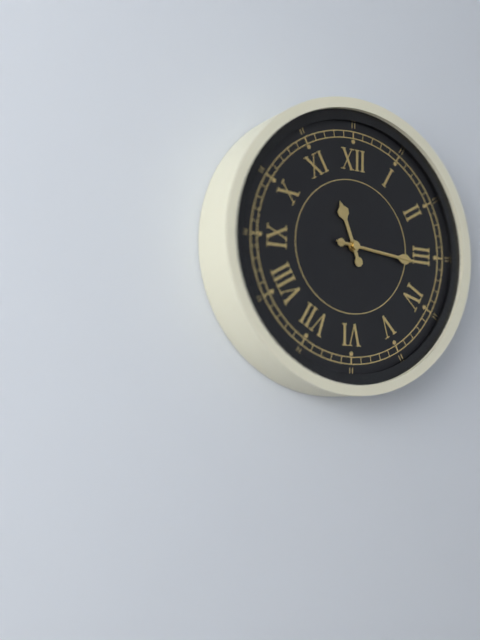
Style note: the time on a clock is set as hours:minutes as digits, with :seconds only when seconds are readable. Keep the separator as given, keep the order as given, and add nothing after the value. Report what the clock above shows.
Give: 11:16:16
